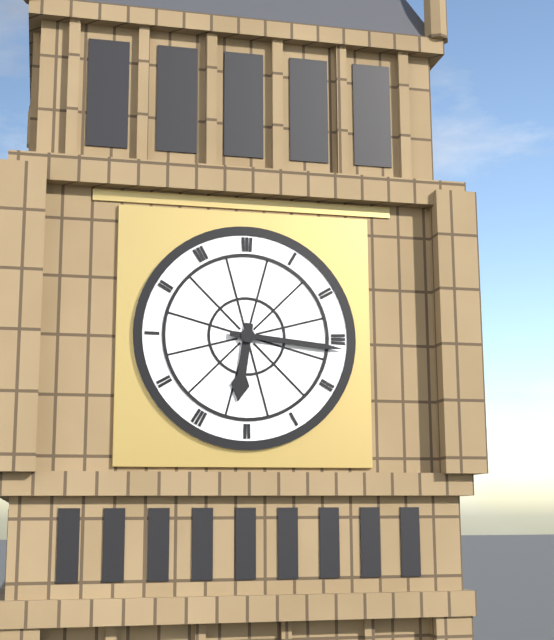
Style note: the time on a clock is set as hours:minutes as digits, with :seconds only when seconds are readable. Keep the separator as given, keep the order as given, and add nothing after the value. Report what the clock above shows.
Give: 6:16
